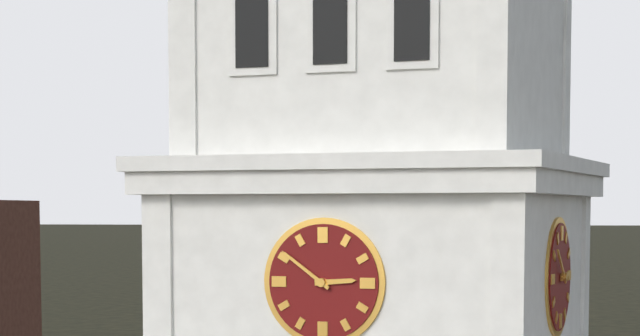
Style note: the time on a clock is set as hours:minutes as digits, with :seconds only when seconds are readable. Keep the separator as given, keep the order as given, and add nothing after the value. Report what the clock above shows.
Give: 2:51
